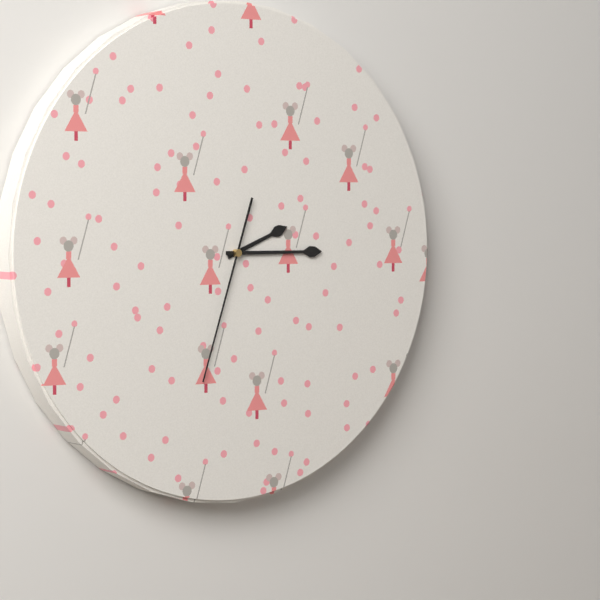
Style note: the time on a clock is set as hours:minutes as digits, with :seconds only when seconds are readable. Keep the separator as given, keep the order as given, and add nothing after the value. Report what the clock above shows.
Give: 2:15:33
